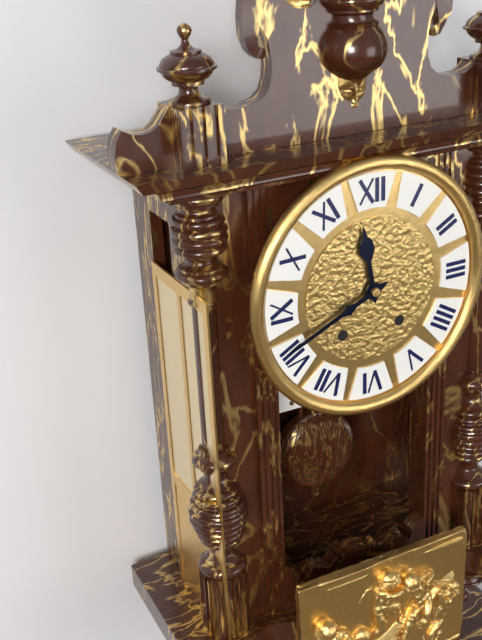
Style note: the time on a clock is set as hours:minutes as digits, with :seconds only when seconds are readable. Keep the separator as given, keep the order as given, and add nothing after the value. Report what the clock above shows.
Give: 11:41
